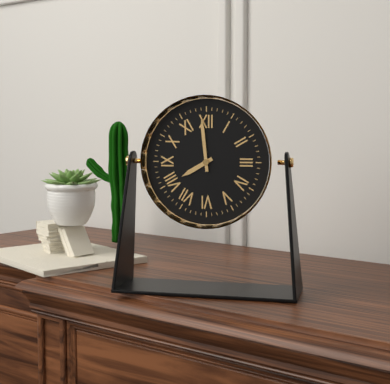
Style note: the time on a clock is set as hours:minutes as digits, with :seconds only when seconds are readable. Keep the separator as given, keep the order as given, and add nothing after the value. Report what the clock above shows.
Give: 7:59
